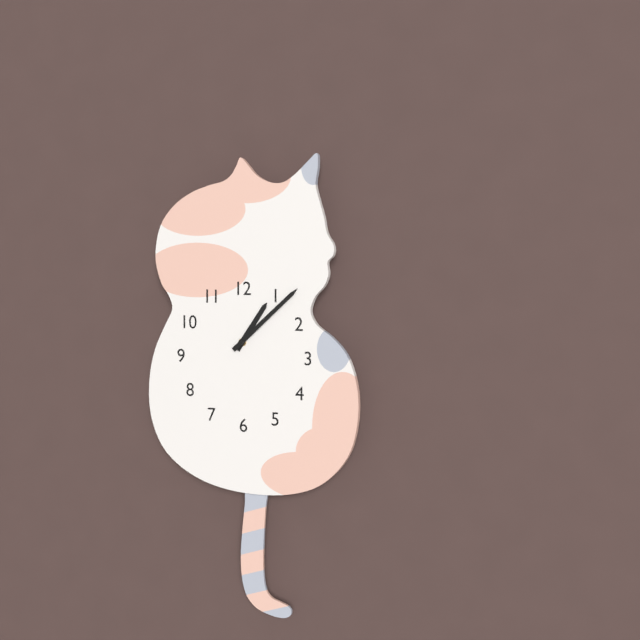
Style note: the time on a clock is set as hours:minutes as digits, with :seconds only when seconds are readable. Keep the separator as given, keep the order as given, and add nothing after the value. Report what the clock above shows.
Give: 1:08
